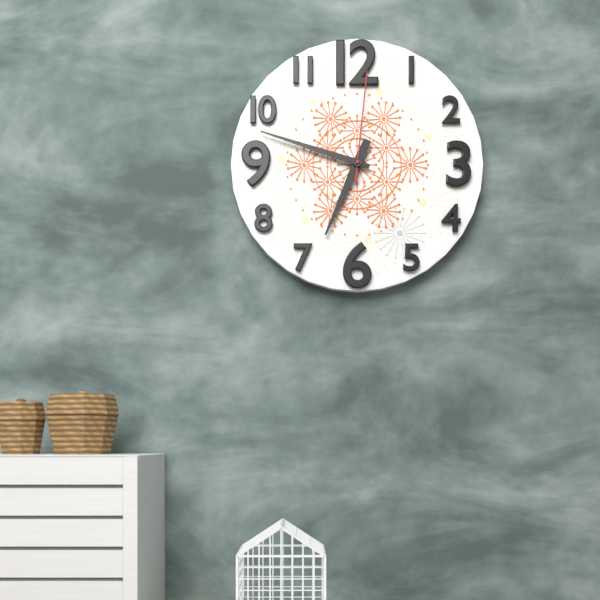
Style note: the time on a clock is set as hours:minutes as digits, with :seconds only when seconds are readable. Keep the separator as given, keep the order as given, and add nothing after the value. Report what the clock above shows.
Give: 6:48:01
